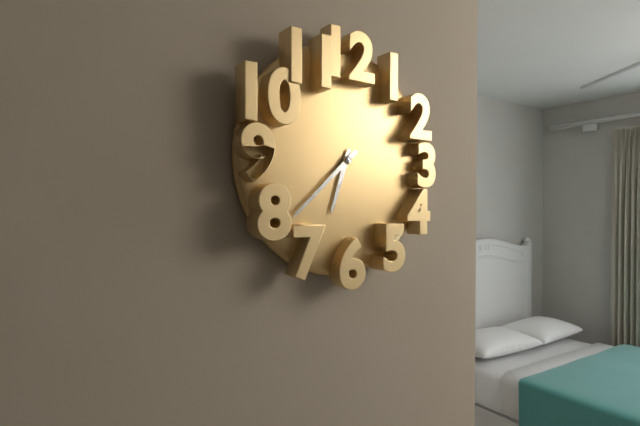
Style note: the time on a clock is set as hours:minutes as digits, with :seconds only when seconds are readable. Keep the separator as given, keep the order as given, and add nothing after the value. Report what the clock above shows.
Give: 6:38
